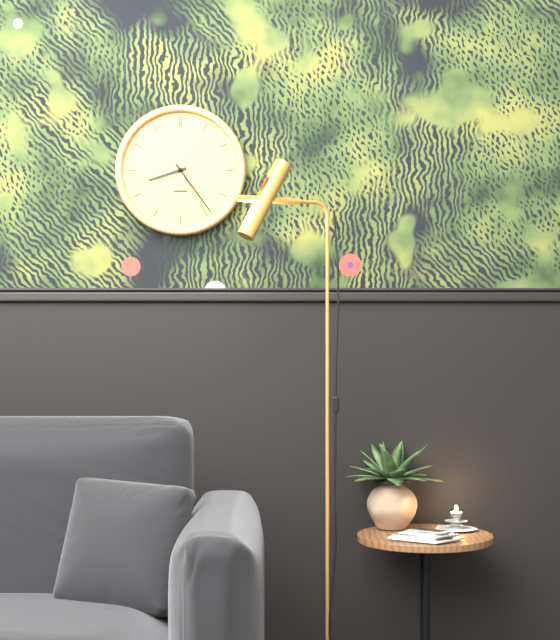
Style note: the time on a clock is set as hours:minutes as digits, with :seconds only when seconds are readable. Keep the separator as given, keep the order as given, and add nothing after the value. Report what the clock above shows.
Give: 8:24:25
